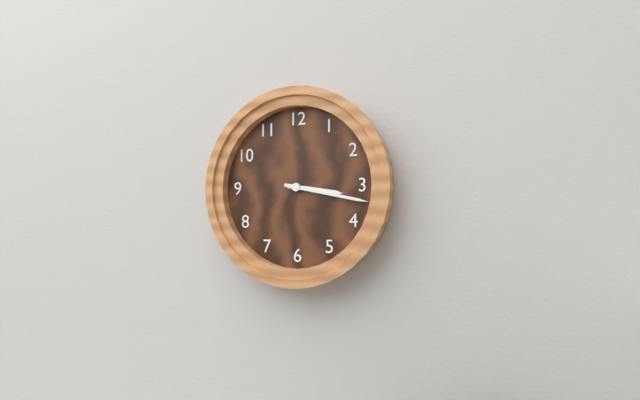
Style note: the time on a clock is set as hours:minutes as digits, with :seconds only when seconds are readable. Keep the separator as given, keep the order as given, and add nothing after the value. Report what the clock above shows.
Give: 3:17
